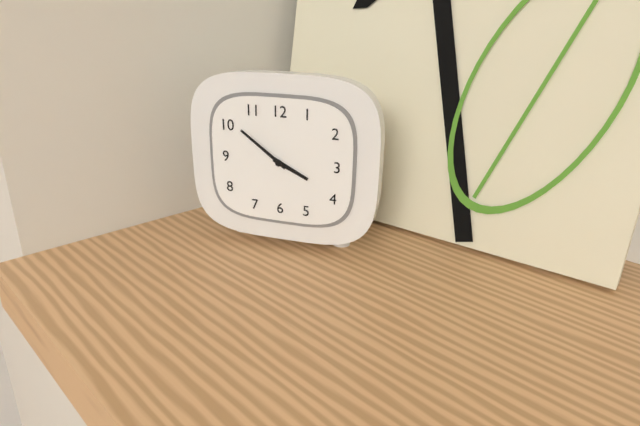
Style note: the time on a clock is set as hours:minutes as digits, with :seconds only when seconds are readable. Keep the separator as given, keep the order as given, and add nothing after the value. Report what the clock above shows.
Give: 3:51
